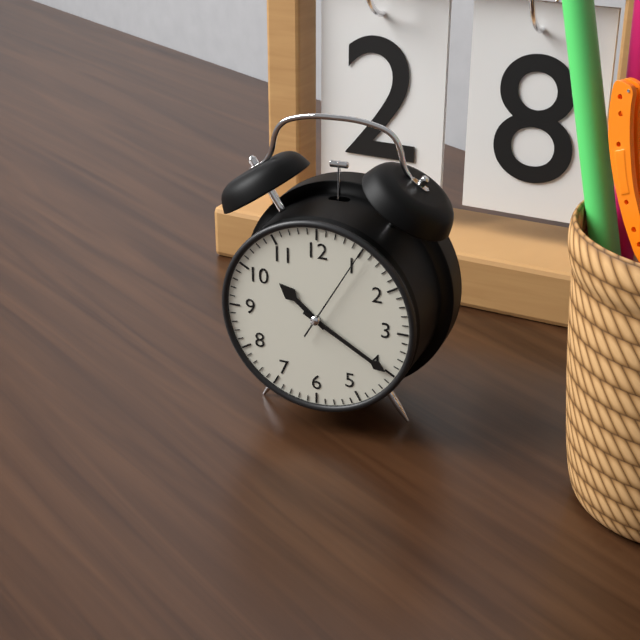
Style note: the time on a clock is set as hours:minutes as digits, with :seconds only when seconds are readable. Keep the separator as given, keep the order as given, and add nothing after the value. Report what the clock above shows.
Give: 10:20:05
